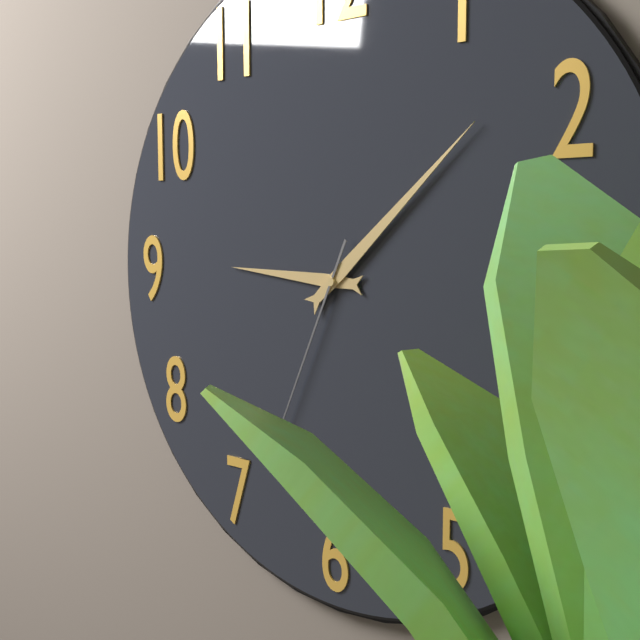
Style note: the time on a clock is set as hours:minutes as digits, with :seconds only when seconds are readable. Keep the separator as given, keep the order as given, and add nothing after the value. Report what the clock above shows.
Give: 9:08:34
